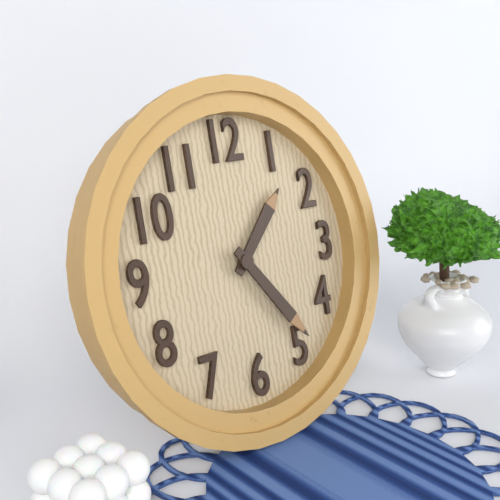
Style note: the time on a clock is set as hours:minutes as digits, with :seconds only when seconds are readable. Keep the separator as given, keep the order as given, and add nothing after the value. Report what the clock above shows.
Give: 1:24
